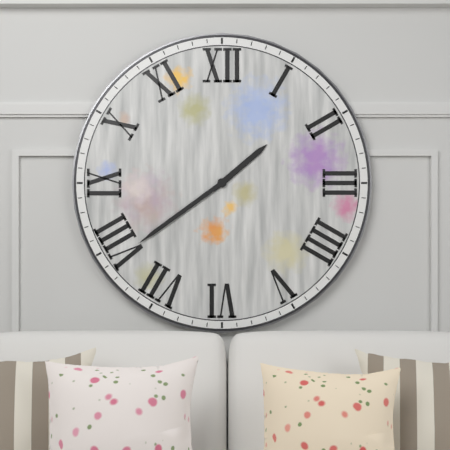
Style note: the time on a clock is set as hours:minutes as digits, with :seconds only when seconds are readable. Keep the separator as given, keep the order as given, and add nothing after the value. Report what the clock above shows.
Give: 1:39
